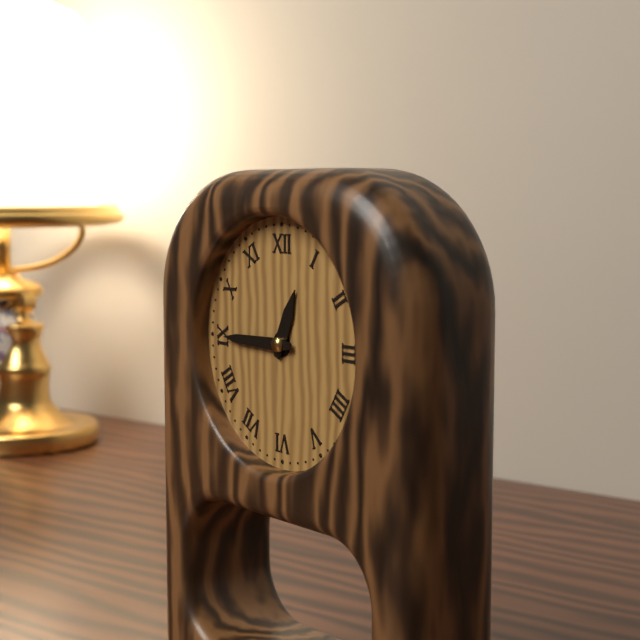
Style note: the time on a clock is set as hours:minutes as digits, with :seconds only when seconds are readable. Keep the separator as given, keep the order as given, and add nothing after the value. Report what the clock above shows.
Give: 12:45
